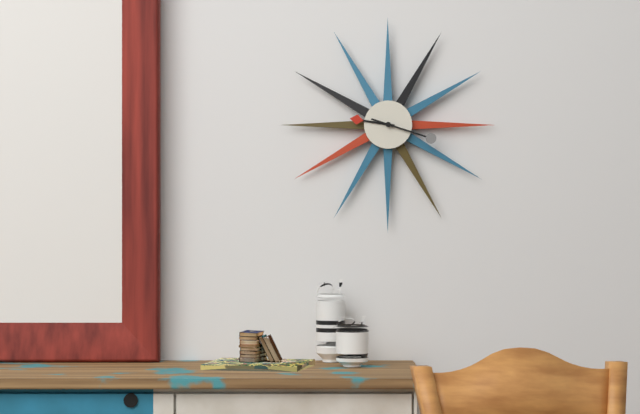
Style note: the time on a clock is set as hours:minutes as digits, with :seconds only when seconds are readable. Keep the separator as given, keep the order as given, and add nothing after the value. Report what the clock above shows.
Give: 9:18
